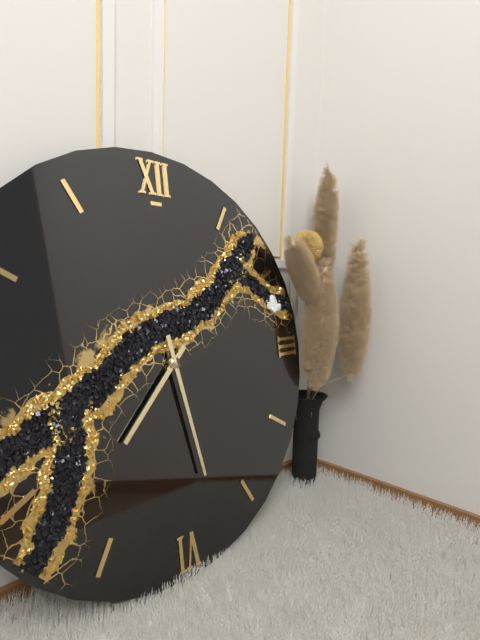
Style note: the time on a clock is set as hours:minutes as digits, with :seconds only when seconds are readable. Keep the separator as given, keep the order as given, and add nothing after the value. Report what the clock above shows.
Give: 7:28
